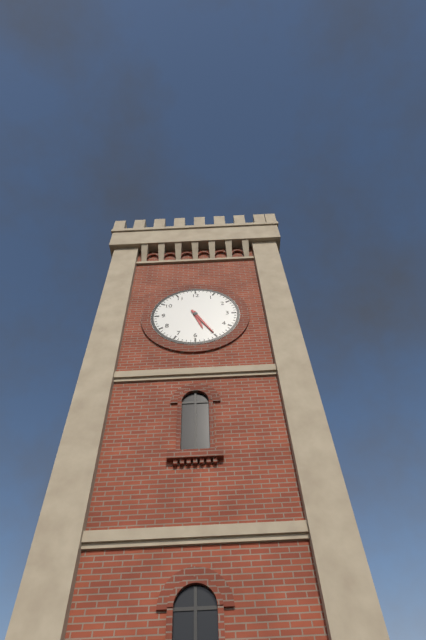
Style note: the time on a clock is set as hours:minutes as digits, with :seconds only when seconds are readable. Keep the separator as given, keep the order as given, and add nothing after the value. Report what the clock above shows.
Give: 5:25
